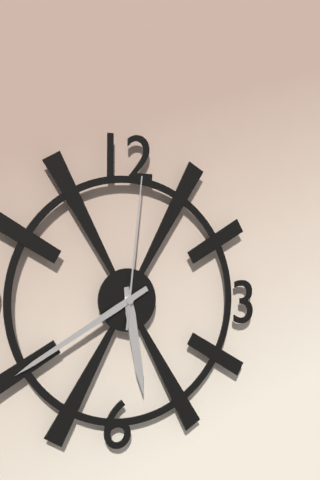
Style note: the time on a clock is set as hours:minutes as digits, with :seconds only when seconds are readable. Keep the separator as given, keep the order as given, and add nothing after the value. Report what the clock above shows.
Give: 5:40:01
